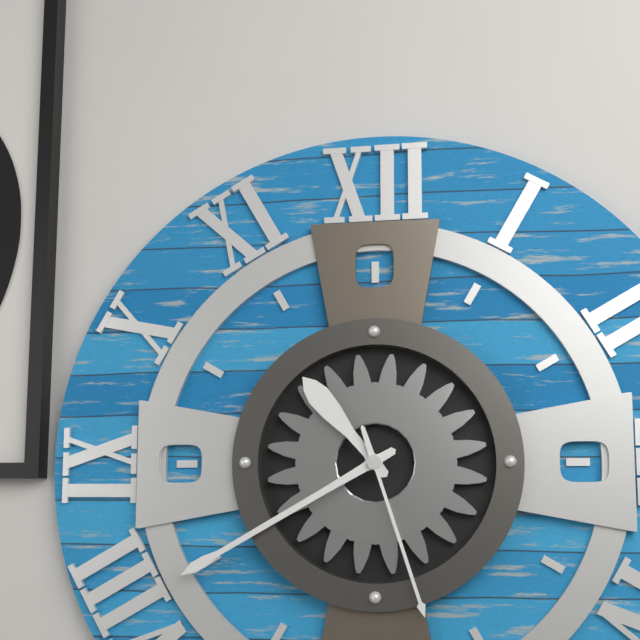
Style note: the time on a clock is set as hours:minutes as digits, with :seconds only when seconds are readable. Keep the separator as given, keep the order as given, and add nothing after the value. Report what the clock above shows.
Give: 10:40:27
